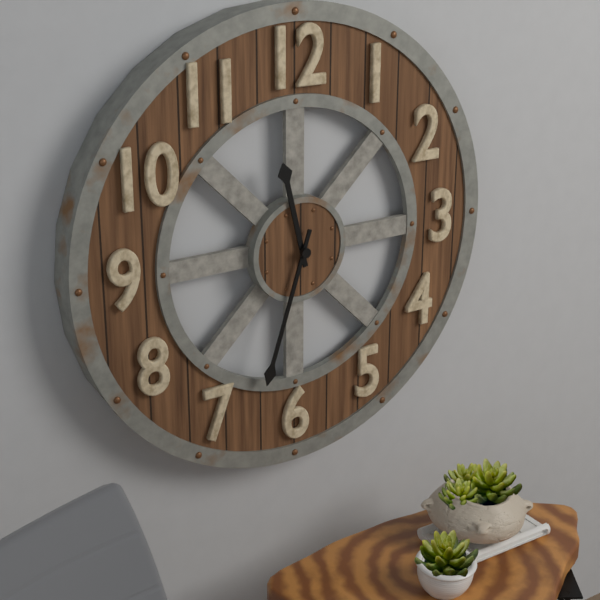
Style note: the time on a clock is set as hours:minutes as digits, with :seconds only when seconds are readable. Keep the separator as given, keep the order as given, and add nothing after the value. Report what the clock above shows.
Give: 11:33
